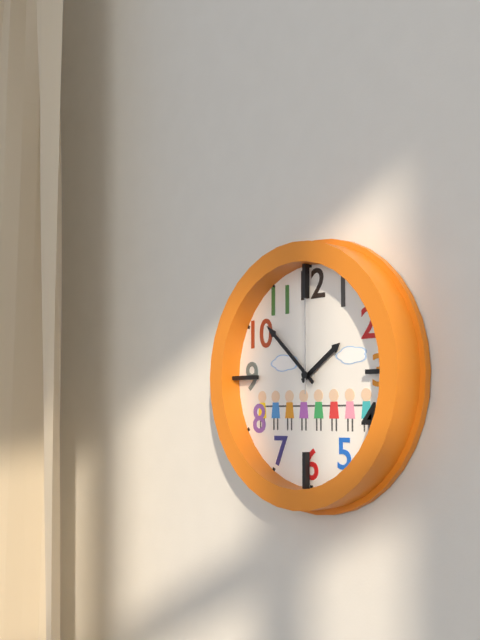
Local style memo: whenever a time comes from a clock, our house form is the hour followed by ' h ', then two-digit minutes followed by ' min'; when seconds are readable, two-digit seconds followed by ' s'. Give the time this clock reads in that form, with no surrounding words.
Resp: 1 h 52 min 00 s
